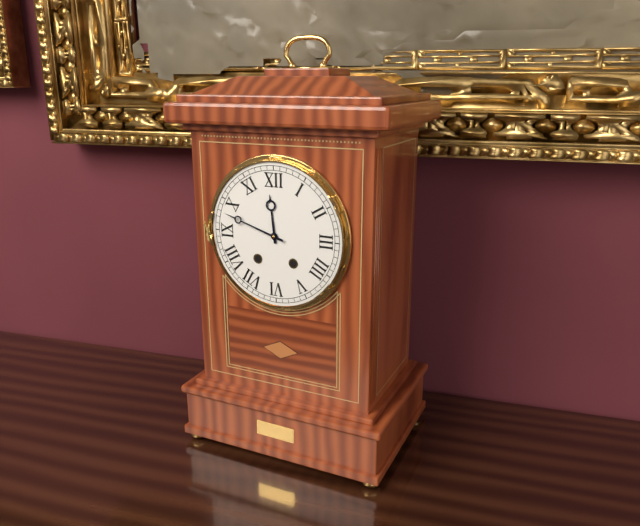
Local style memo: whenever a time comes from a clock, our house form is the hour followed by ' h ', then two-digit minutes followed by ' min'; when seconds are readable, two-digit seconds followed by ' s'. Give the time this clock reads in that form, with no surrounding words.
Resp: 11 h 48 min
